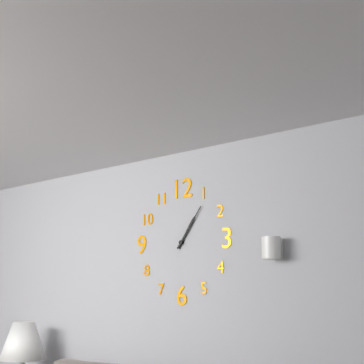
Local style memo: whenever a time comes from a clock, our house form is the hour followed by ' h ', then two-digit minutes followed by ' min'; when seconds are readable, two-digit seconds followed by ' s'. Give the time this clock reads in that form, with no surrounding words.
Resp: 1 h 06 min
